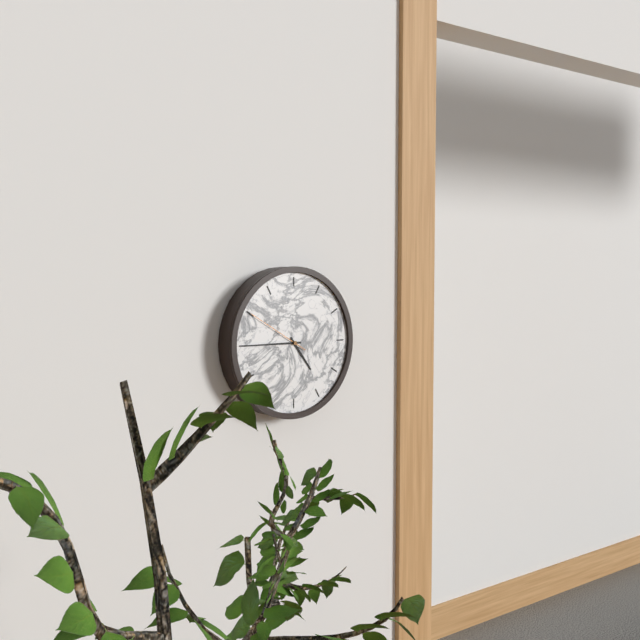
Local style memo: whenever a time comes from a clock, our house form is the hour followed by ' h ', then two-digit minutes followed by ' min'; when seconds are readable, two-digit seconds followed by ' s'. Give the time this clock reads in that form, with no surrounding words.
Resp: 4 h 45 min 50 s
